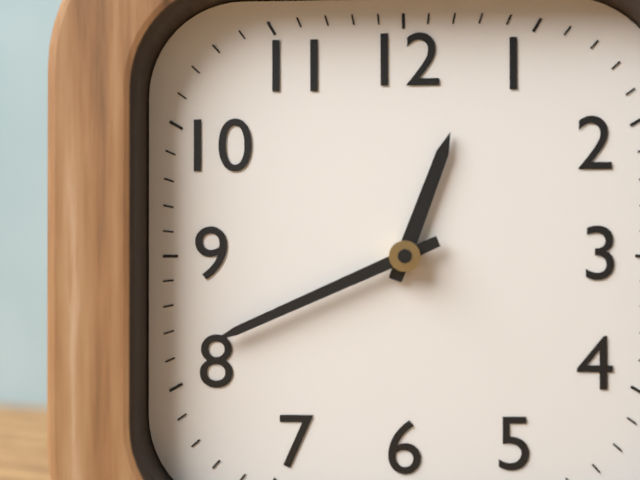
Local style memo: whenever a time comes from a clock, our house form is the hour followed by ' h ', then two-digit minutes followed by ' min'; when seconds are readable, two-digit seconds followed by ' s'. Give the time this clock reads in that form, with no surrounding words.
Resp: 12 h 41 min
